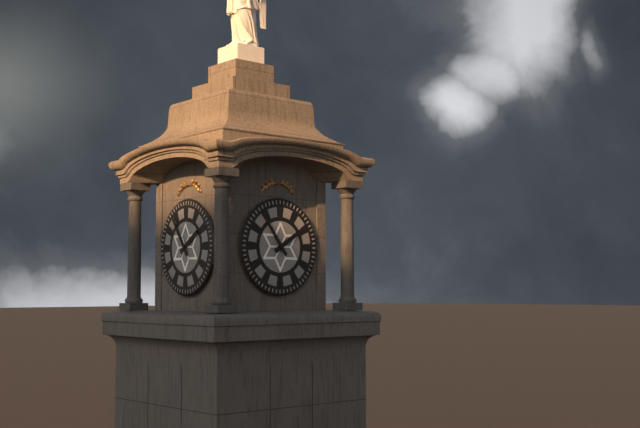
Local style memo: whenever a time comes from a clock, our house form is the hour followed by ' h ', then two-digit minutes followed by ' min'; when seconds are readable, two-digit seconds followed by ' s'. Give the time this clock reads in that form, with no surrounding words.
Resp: 1 h 54 min
